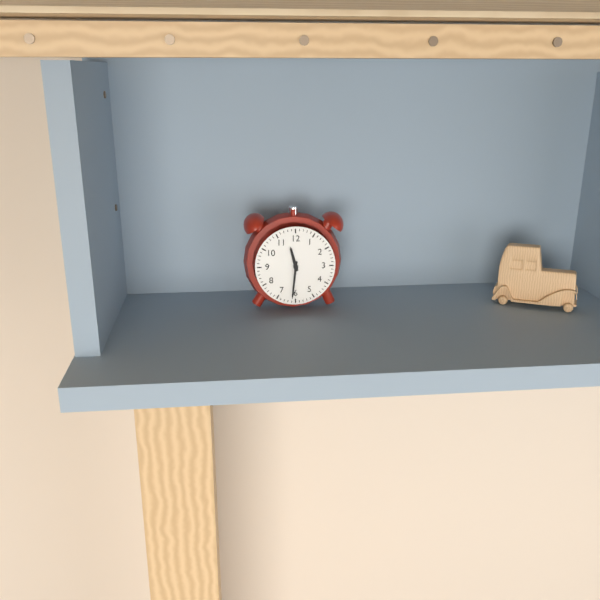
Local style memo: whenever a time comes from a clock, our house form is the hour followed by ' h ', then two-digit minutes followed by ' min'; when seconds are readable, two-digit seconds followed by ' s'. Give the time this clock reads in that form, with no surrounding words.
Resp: 11 h 31 min
